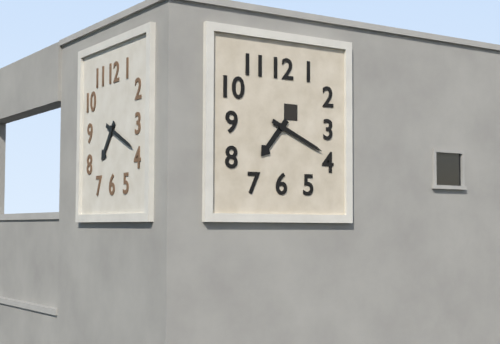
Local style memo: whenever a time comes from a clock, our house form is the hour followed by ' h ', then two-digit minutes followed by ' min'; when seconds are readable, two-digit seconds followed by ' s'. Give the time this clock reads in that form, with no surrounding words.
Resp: 7 h 19 min
